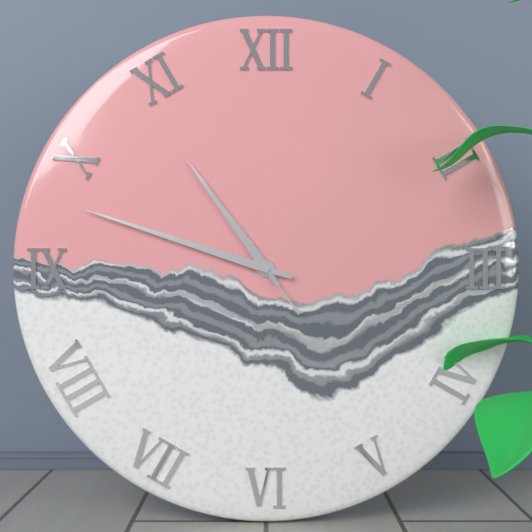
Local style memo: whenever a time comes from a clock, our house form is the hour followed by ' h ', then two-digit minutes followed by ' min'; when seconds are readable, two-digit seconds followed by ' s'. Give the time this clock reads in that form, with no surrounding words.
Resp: 10 h 48 min 54 s
